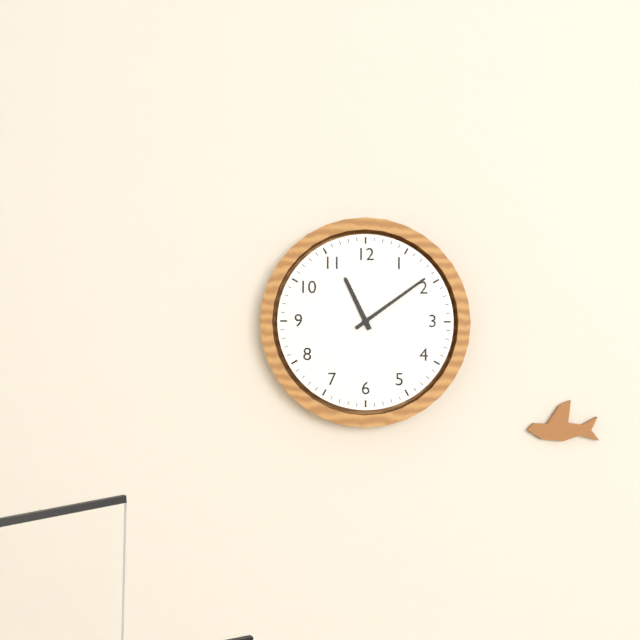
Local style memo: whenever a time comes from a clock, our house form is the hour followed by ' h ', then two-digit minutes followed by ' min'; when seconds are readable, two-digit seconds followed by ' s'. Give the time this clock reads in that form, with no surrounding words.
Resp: 11 h 09 min
